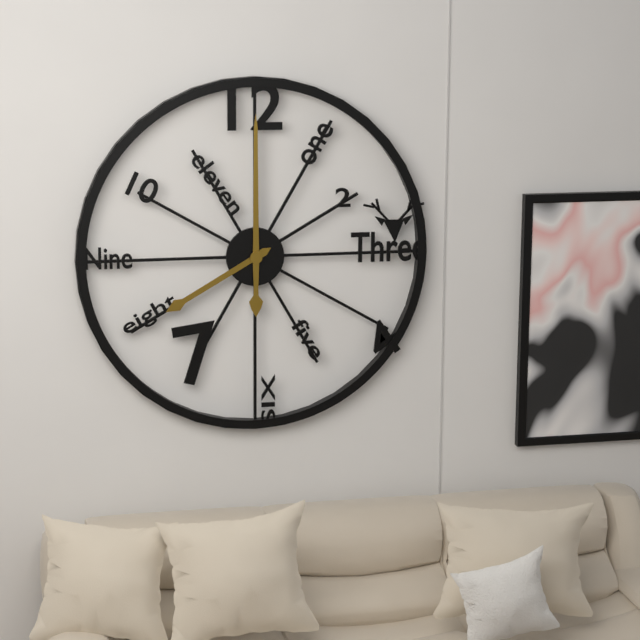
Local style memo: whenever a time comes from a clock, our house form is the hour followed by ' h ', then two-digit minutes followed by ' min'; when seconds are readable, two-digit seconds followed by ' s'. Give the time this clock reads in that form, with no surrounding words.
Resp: 8 h 00 min
